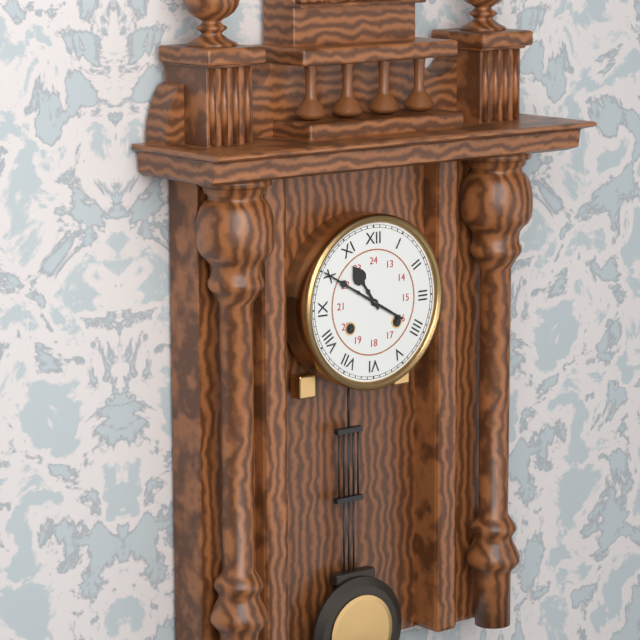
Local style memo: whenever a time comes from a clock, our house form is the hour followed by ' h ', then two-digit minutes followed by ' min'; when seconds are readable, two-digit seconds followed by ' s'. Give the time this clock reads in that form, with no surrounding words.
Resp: 10 h 50 min
